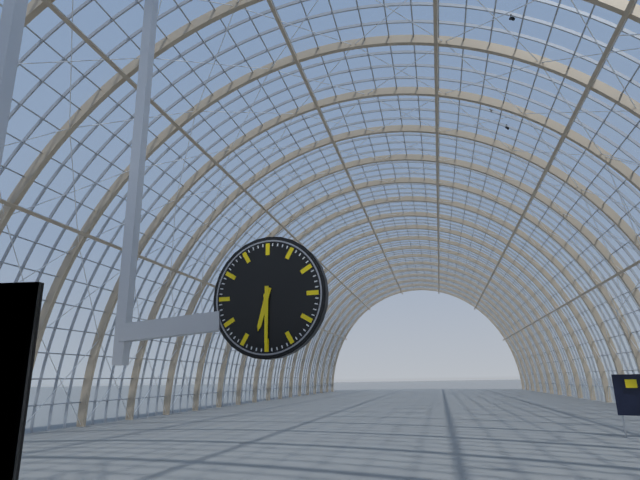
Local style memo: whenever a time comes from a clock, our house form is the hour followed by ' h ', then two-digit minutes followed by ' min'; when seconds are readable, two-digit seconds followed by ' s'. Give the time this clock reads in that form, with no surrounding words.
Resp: 6 h 30 min
